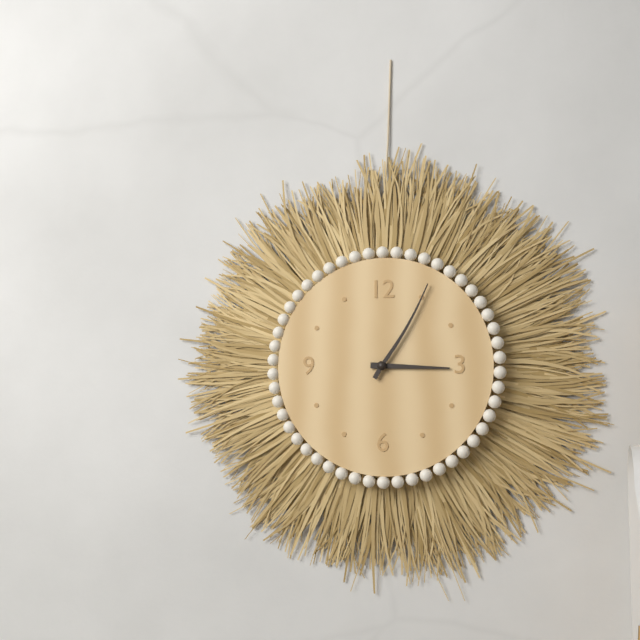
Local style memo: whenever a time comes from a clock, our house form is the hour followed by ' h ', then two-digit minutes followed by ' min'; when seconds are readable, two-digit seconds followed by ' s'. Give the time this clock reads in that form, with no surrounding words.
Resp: 3 h 05 min
